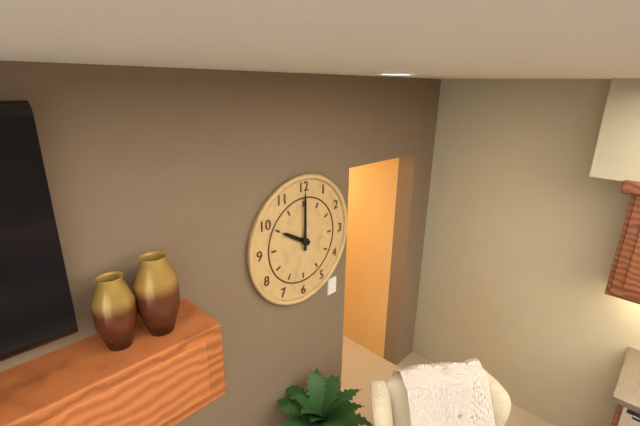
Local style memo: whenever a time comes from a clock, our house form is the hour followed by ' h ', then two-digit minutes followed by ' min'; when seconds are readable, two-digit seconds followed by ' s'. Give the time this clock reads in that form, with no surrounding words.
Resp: 10 h 00 min
